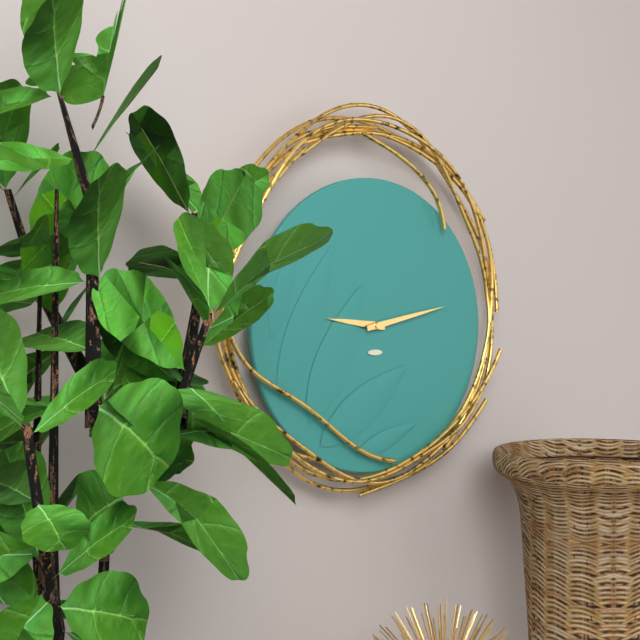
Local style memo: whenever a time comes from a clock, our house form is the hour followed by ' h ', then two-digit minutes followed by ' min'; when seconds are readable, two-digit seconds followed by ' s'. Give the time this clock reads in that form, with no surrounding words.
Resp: 9 h 13 min
